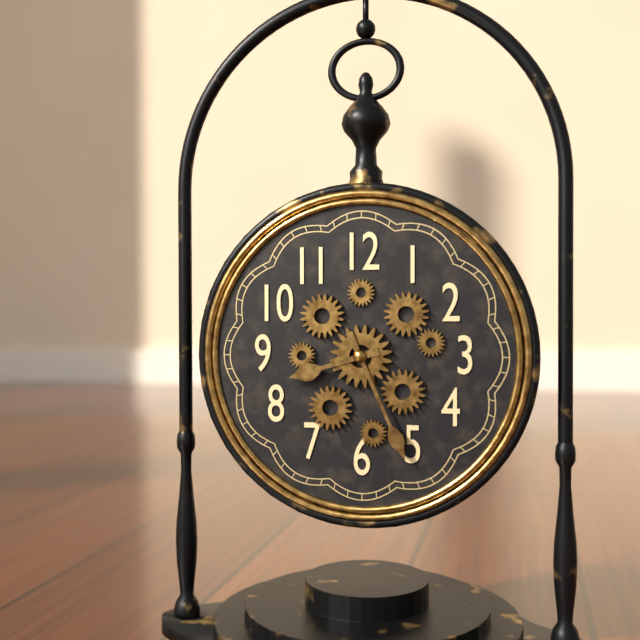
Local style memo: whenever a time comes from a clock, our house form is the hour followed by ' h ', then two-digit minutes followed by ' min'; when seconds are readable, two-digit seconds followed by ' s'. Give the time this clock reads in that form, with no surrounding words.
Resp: 8 h 26 min
